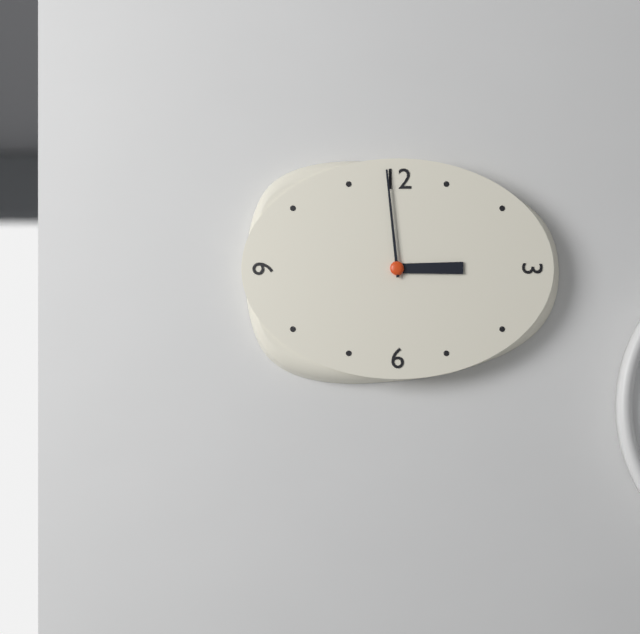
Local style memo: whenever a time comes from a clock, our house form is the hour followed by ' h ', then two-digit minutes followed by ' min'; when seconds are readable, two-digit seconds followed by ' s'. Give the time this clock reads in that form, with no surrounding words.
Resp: 2 h 59 min
